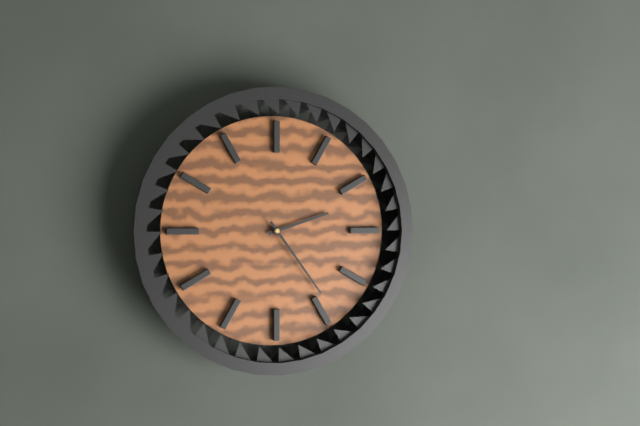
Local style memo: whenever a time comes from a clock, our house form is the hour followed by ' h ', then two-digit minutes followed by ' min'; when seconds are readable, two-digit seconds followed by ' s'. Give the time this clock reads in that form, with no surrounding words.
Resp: 2 h 24 min
